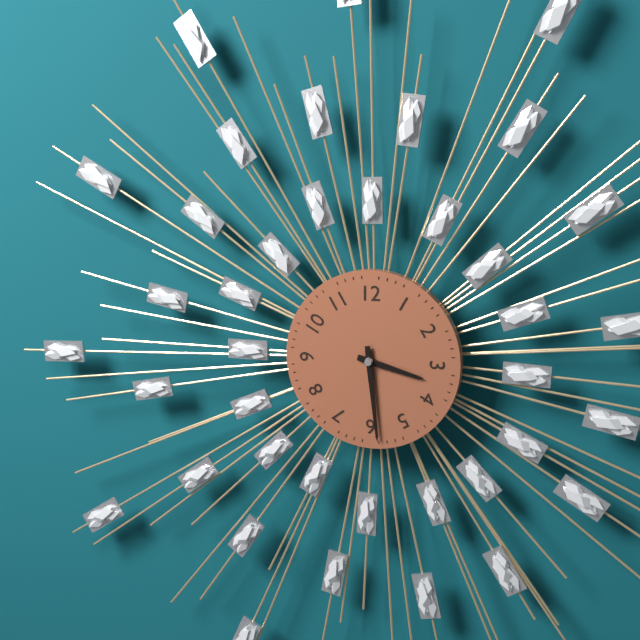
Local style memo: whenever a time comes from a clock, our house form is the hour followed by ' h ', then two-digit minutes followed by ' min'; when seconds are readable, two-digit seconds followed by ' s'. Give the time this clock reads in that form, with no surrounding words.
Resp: 3 h 29 min
